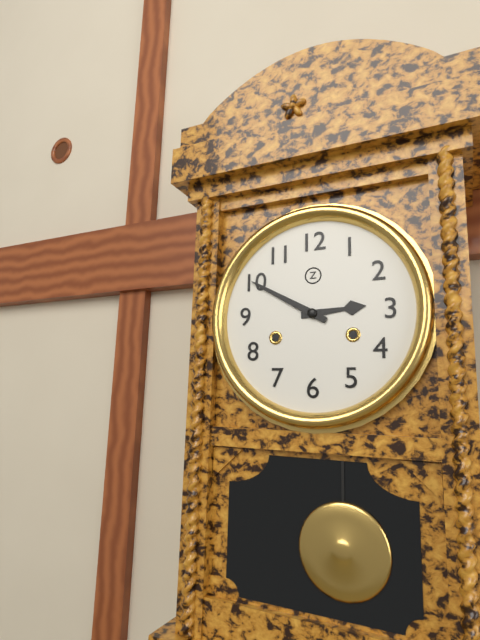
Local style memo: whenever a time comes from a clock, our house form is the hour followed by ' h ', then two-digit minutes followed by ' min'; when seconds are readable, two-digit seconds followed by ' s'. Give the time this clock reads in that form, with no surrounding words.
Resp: 2 h 50 min
